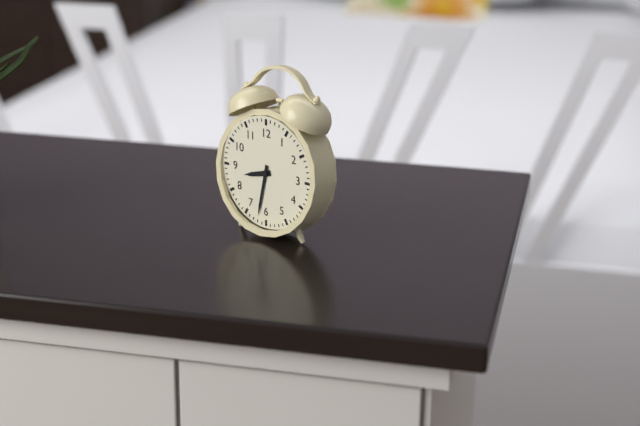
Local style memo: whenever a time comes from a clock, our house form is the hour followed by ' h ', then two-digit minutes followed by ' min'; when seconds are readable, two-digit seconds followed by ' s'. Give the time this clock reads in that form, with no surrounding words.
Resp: 8 h 32 min
